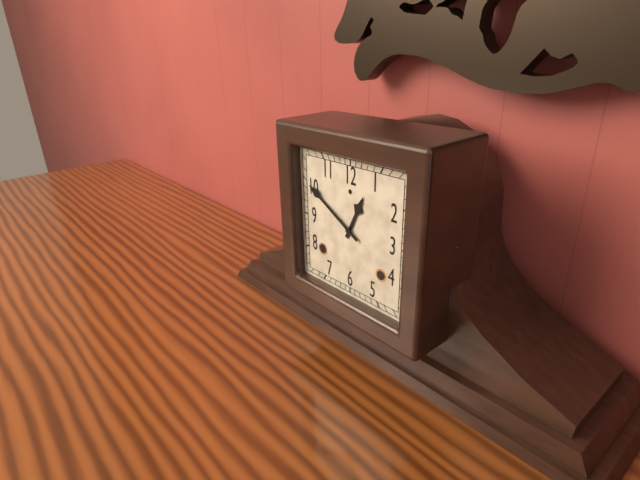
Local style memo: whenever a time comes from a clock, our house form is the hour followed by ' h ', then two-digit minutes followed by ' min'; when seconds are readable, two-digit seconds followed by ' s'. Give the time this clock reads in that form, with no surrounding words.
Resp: 12 h 50 min
